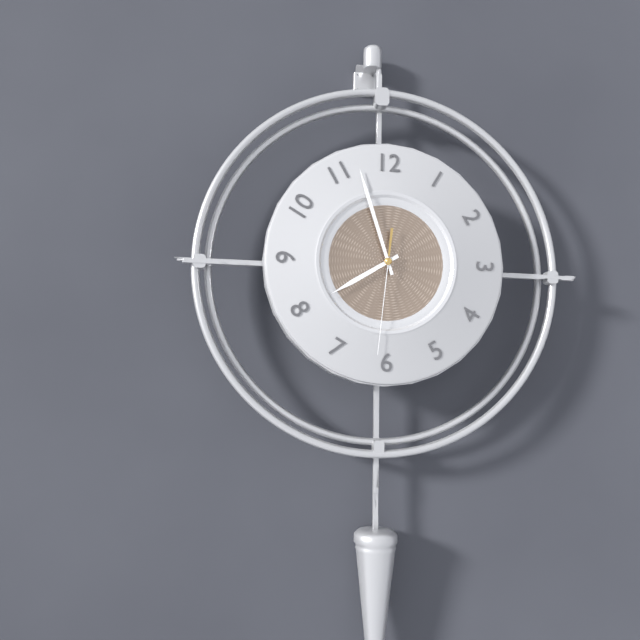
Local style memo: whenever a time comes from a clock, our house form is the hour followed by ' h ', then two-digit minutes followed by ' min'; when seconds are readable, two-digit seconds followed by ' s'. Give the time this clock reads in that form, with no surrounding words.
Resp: 7 h 57 min 31 s
